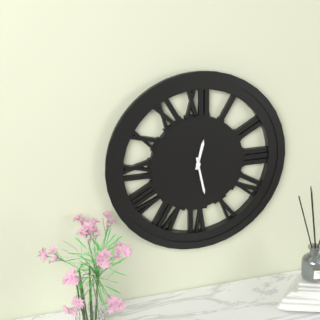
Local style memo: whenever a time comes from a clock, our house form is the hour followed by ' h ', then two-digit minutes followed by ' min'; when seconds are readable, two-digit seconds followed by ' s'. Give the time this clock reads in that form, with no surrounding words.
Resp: 12 h 28 min
